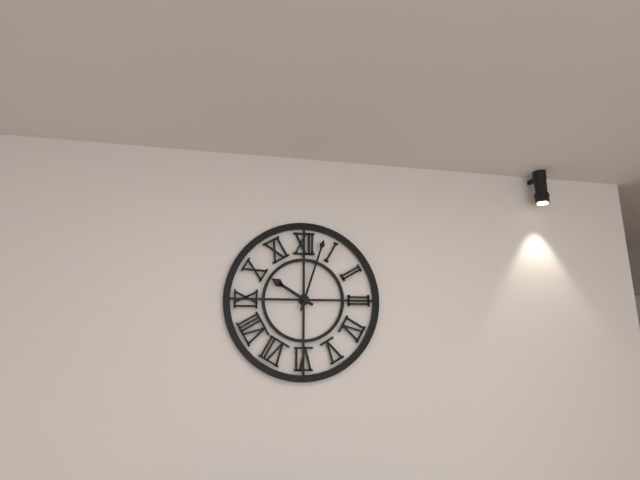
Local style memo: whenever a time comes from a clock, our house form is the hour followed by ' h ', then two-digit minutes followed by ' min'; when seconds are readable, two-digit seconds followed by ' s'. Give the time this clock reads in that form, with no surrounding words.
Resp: 10 h 03 min
